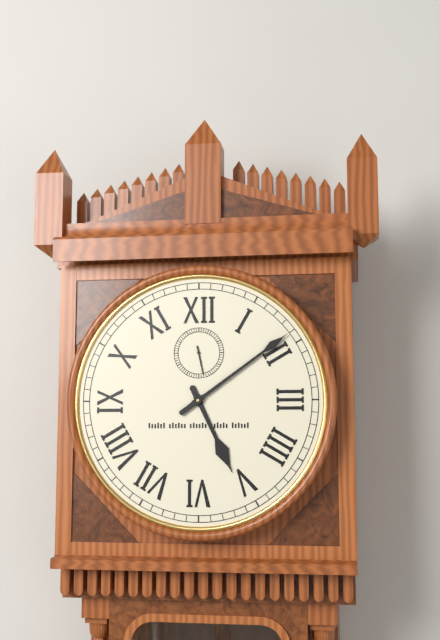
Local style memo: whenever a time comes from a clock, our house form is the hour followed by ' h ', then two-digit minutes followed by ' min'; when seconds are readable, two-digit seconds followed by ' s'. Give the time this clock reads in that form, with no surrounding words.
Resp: 5 h 09 min
